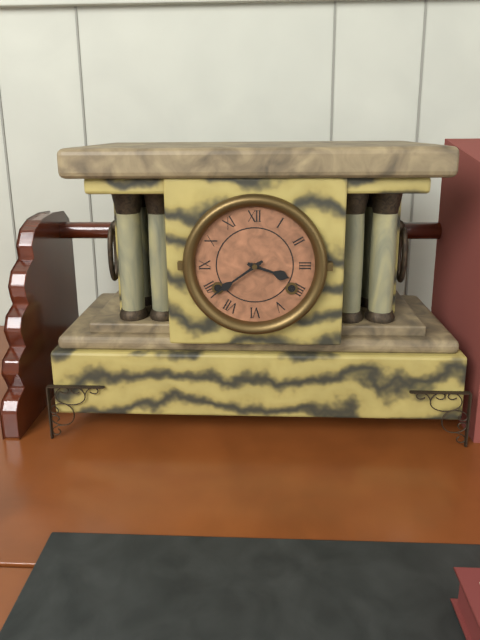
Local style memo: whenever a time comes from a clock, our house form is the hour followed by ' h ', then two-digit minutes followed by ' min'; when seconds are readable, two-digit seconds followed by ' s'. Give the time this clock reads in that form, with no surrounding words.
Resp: 3 h 39 min
